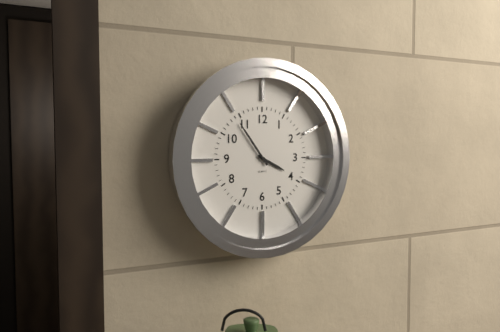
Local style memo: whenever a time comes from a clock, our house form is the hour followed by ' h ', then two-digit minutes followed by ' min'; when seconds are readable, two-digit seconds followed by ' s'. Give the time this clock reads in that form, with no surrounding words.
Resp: 3 h 54 min
